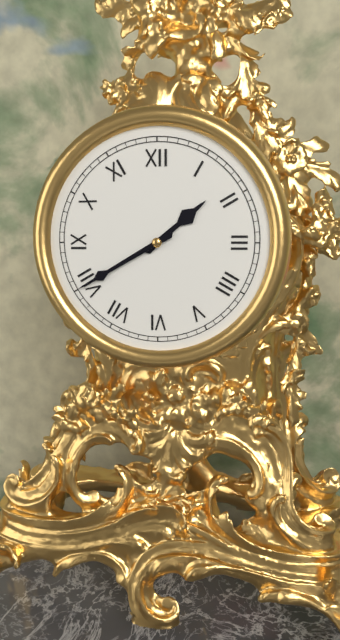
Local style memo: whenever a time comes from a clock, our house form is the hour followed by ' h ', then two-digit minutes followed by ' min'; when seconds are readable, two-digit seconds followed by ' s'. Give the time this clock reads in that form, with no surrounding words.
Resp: 1 h 40 min
